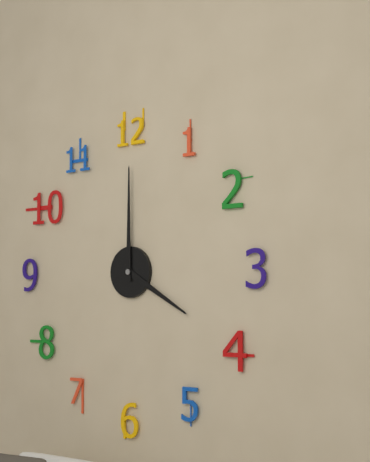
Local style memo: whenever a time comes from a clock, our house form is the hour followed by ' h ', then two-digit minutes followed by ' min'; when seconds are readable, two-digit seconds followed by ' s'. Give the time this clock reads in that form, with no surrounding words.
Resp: 4 h 00 min
